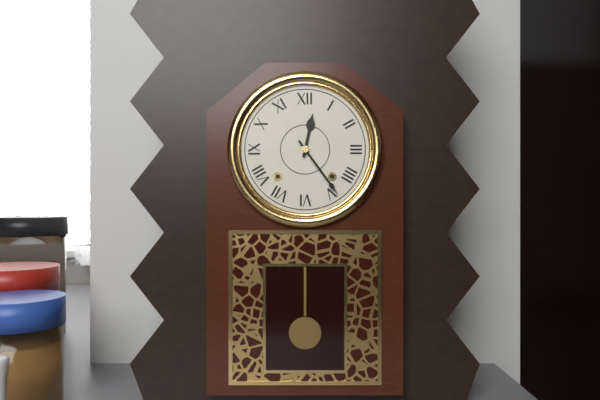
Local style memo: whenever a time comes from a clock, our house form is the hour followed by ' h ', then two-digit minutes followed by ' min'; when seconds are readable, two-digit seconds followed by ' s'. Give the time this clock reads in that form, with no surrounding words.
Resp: 12 h 24 min
